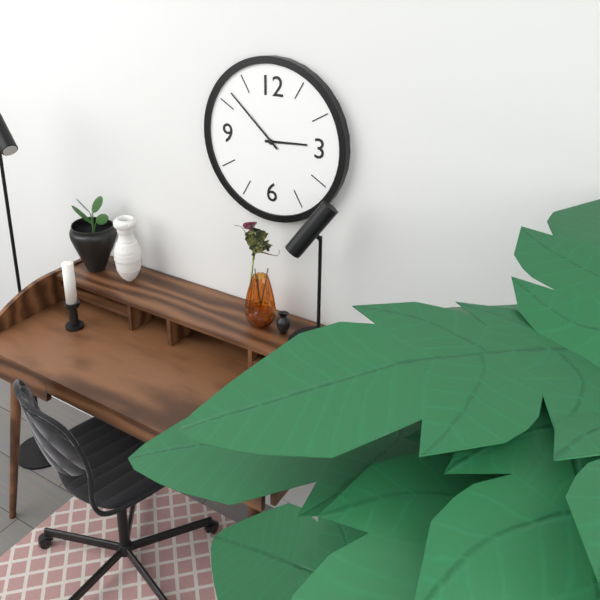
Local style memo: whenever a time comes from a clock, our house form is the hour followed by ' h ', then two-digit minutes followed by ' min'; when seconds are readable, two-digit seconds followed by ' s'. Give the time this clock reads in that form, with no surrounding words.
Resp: 2 h 52 min
